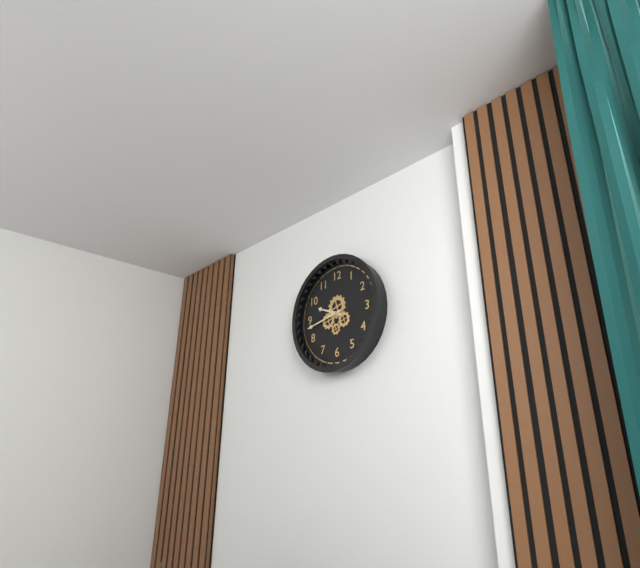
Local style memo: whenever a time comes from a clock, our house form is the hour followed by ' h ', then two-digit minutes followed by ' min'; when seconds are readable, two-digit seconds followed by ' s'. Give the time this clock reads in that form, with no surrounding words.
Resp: 9 h 43 min
